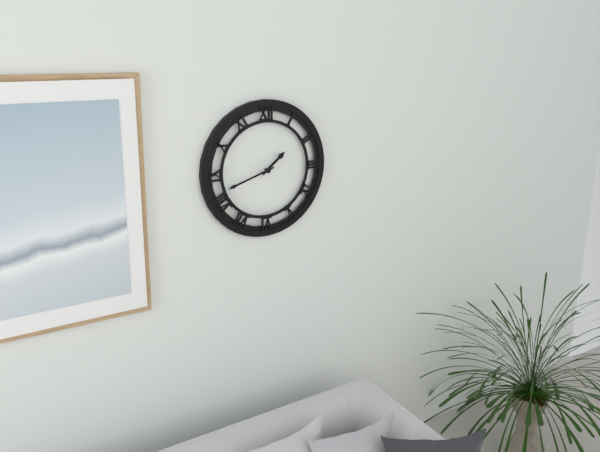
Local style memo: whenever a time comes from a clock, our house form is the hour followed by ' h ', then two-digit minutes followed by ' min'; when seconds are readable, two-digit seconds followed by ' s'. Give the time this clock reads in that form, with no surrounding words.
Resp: 1 h 42 min
